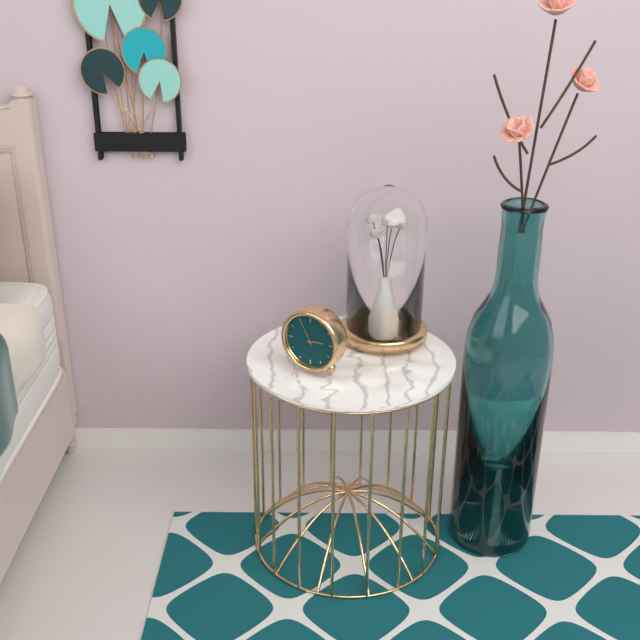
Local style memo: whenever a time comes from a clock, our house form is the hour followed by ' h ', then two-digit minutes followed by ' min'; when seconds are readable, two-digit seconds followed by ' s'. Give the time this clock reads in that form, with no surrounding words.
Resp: 2 h 55 min
